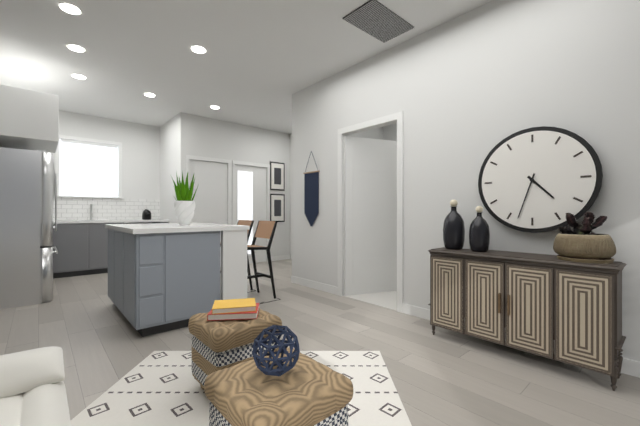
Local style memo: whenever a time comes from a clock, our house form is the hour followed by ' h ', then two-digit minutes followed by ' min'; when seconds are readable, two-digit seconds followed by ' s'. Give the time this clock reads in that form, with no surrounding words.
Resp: 4 h 33 min
